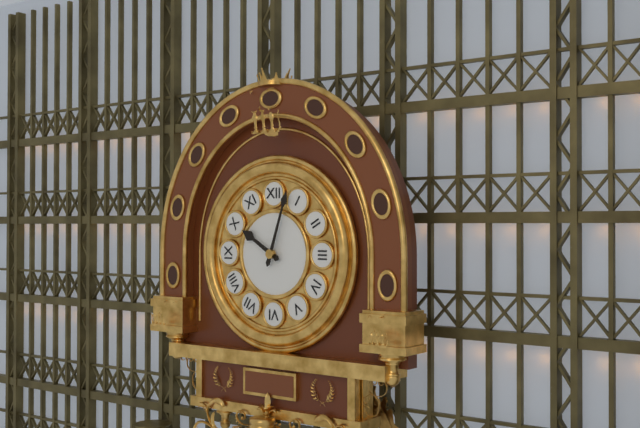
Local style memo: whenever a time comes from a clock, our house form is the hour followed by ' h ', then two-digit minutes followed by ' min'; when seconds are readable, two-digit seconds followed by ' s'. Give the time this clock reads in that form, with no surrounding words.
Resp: 10 h 03 min
